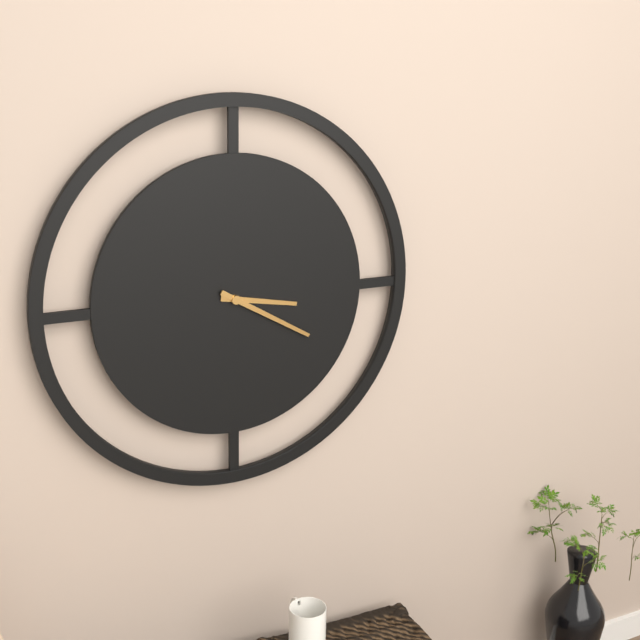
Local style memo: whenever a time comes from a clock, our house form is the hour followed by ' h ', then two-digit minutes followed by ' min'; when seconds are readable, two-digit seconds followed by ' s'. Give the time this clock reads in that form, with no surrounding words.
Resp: 3 h 20 min
